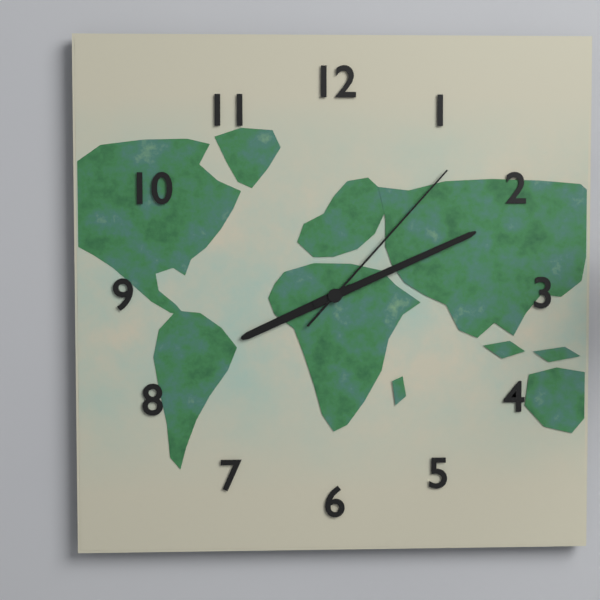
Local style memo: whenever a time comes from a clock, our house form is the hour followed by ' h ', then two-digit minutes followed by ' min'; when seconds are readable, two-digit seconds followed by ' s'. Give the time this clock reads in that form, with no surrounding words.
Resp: 8 h 11 min 07 s
